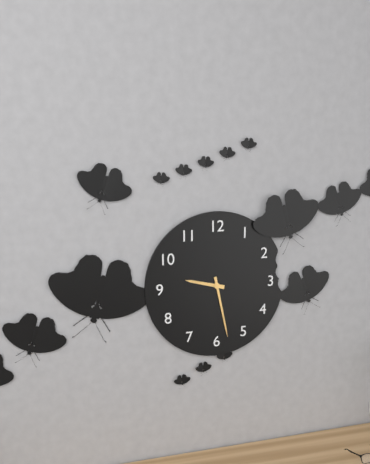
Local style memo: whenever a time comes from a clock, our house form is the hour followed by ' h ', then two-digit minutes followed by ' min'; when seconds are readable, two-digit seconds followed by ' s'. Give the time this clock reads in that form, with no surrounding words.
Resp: 9 h 28 min
